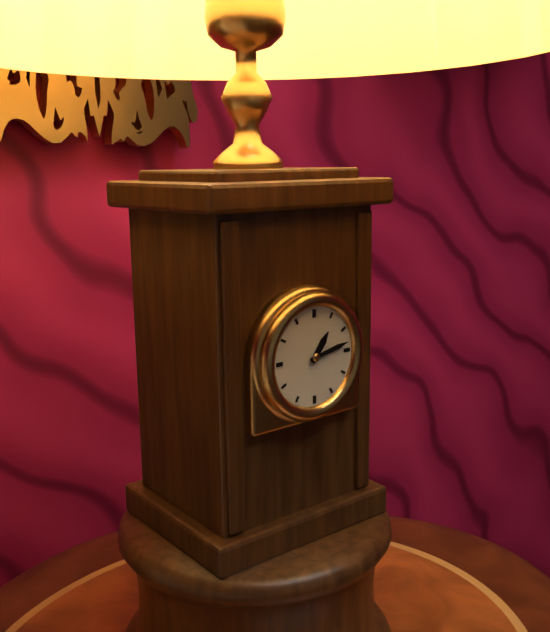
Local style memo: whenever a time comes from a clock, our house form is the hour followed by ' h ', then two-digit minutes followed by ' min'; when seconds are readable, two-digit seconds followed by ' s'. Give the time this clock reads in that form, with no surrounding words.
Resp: 1 h 13 min
